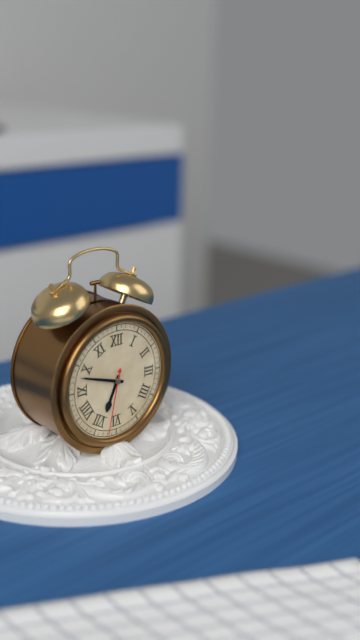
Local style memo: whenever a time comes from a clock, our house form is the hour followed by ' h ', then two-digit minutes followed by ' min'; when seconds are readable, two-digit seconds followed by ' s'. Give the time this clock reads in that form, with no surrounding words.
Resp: 6 h 48 min 32 s
